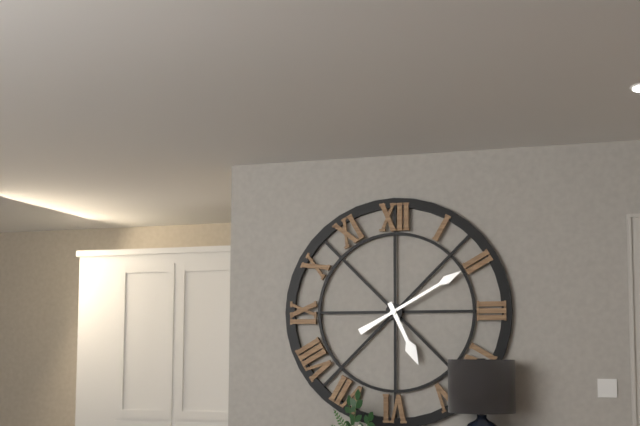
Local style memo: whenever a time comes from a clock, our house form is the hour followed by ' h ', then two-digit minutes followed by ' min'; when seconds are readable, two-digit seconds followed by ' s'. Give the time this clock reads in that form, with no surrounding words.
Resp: 5 h 10 min
